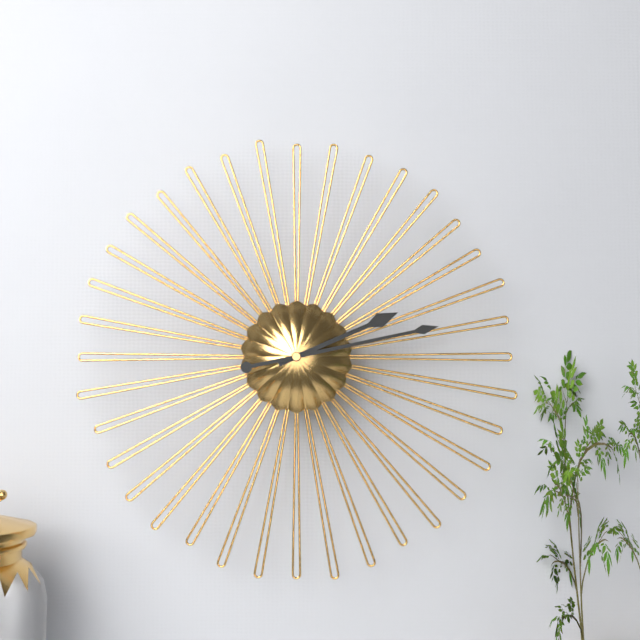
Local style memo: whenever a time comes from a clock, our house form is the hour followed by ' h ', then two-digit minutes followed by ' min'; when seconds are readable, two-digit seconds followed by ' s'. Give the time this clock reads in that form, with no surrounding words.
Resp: 2 h 13 min
